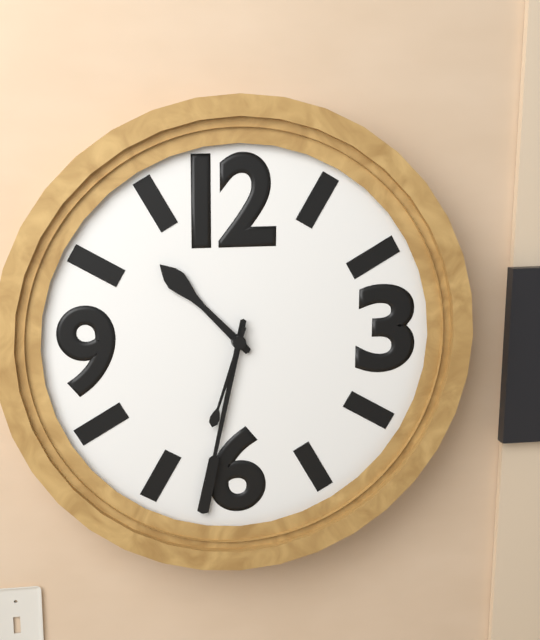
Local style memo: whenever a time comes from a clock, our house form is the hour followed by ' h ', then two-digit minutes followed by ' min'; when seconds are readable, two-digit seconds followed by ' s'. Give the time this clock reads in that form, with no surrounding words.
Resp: 10 h 32 min 33 s
